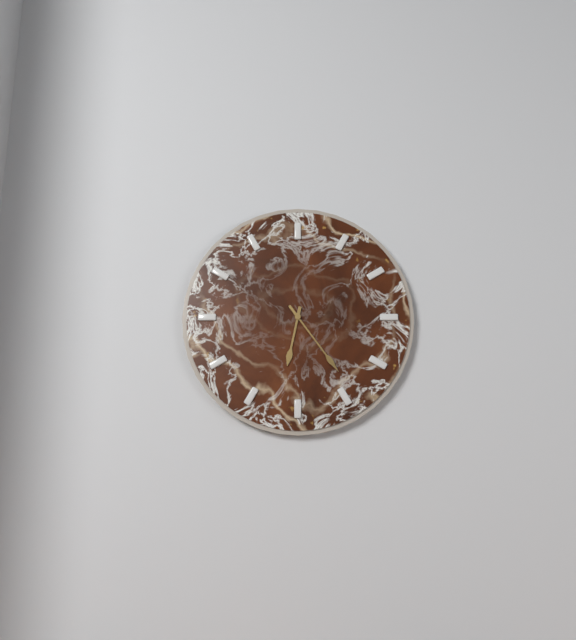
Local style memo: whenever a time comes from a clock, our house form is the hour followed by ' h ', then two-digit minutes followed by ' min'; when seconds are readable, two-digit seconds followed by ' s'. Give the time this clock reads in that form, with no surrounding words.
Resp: 6 h 24 min
